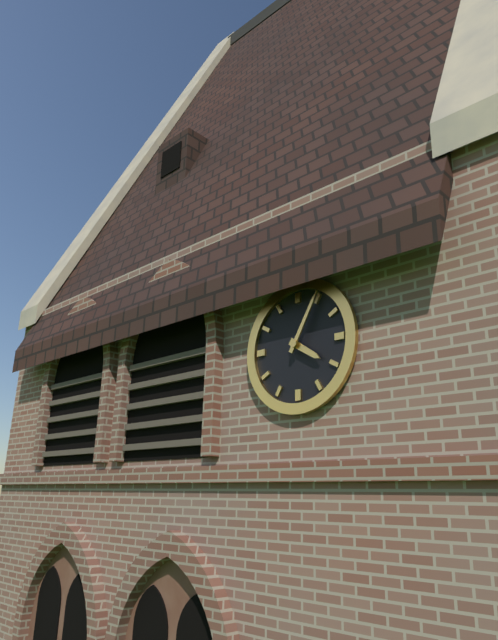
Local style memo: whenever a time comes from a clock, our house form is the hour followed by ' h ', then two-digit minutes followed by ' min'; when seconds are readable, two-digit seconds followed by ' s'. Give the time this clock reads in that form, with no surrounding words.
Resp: 4 h 05 min
